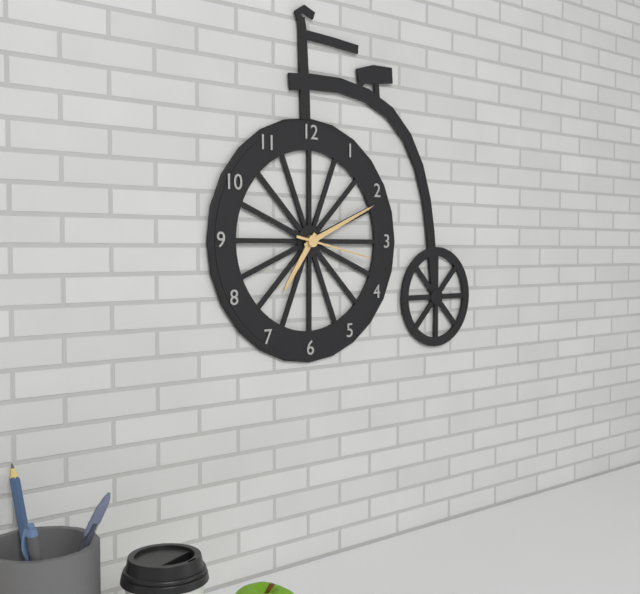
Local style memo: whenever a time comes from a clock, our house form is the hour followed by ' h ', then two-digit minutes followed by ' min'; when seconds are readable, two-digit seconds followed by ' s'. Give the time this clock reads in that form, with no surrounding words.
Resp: 7 h 11 min 17 s
